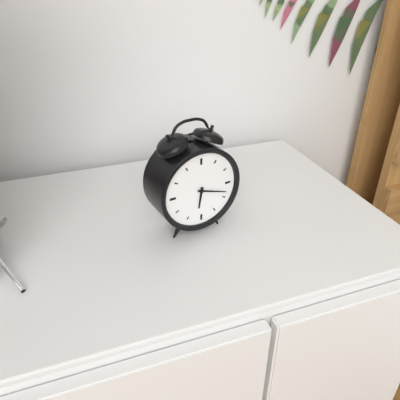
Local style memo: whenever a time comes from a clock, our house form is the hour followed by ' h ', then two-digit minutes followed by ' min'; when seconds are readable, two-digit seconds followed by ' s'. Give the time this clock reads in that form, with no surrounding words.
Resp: 6 h 18 min
